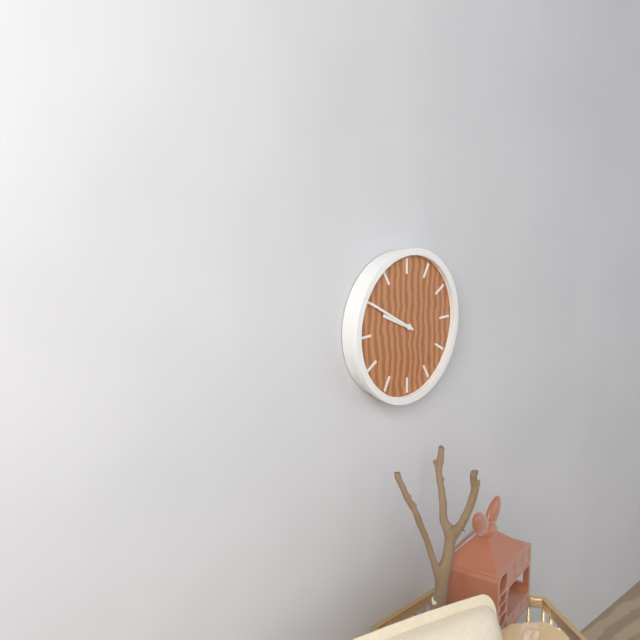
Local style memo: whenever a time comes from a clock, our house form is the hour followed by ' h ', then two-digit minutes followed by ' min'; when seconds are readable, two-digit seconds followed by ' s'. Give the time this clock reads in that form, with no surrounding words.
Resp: 9 h 50 min
